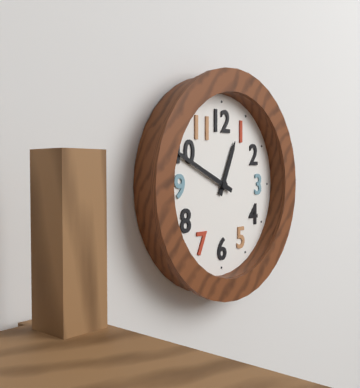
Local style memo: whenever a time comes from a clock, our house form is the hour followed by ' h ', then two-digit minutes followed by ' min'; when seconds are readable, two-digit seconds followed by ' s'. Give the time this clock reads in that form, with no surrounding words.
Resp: 12 h 49 min
